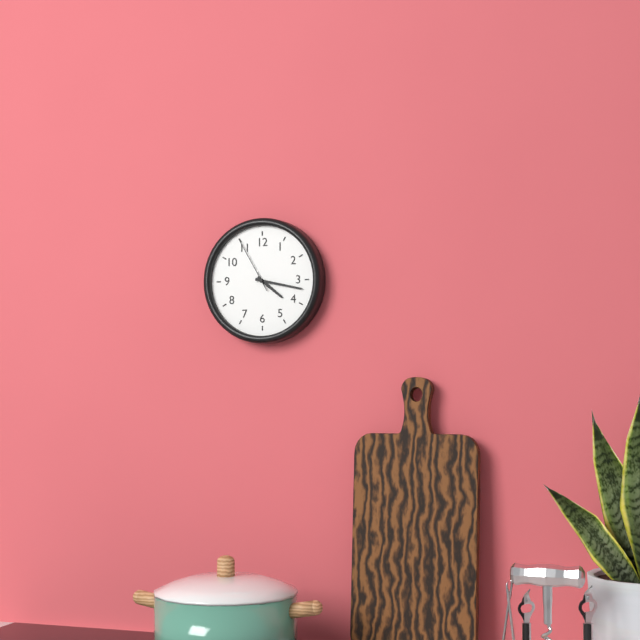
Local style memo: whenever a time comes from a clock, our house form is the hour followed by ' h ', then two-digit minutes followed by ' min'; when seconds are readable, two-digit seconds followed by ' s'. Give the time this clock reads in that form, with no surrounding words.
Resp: 4 h 17 min 55 s
